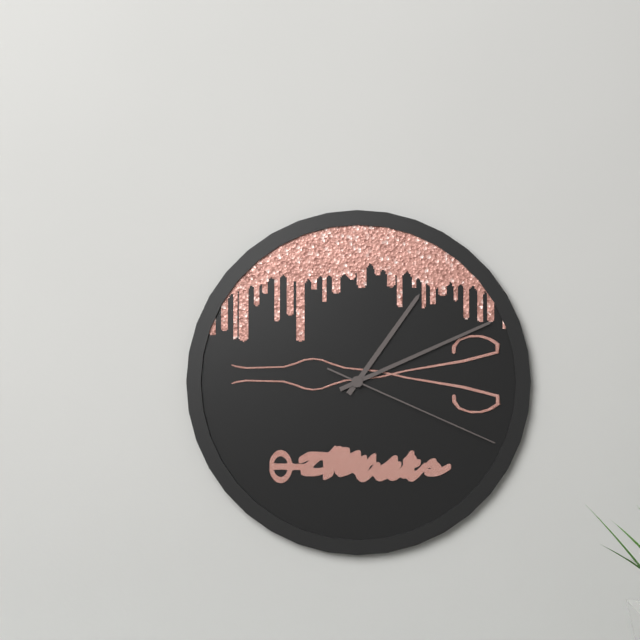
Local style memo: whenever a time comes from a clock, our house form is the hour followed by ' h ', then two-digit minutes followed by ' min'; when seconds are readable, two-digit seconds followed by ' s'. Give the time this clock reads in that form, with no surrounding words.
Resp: 1 h 11 min 19 s
